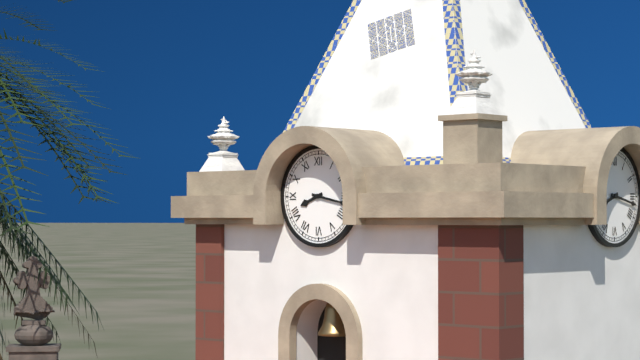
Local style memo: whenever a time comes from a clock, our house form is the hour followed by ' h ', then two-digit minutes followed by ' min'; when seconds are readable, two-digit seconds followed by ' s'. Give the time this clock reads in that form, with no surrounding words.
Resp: 8 h 17 min
